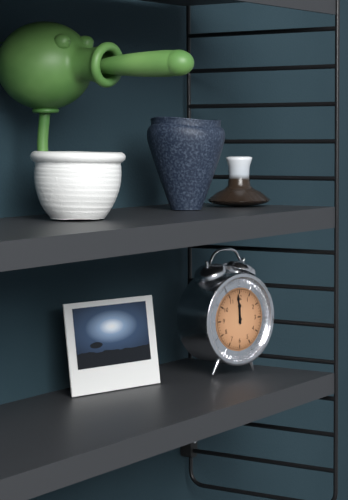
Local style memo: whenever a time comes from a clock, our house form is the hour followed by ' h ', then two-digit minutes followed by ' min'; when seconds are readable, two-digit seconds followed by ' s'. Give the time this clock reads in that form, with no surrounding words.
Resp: 11 h 59 min
